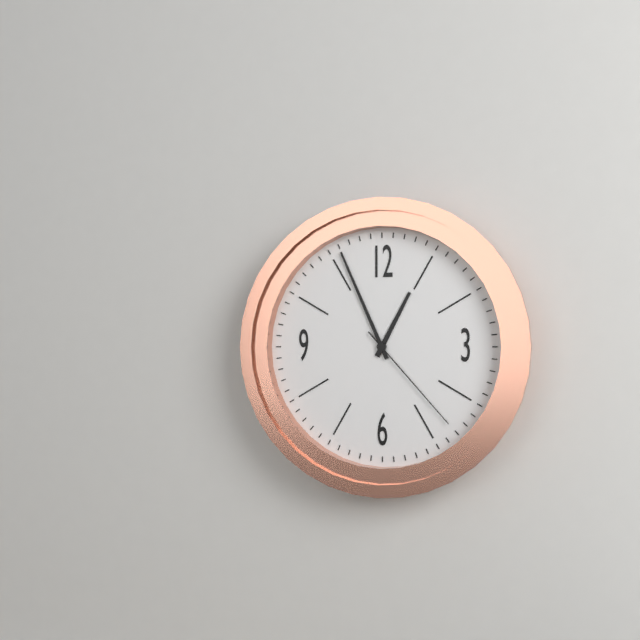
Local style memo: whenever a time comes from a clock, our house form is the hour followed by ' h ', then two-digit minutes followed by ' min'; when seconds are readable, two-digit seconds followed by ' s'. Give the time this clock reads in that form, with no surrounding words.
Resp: 12 h 56 min 23 s
